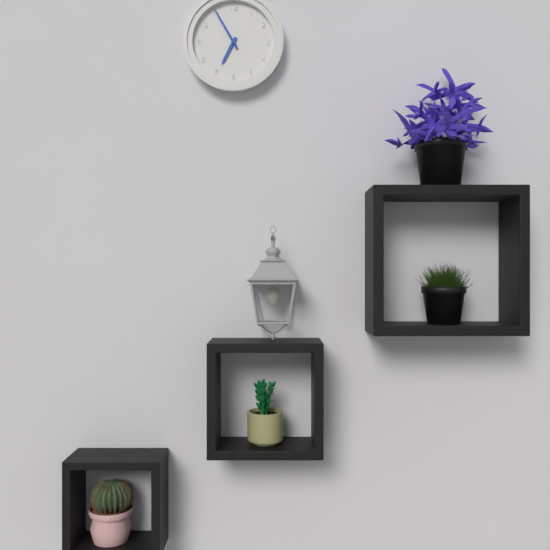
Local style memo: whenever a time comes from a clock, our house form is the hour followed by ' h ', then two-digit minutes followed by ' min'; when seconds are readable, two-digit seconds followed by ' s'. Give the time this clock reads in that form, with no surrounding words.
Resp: 6 h 55 min
